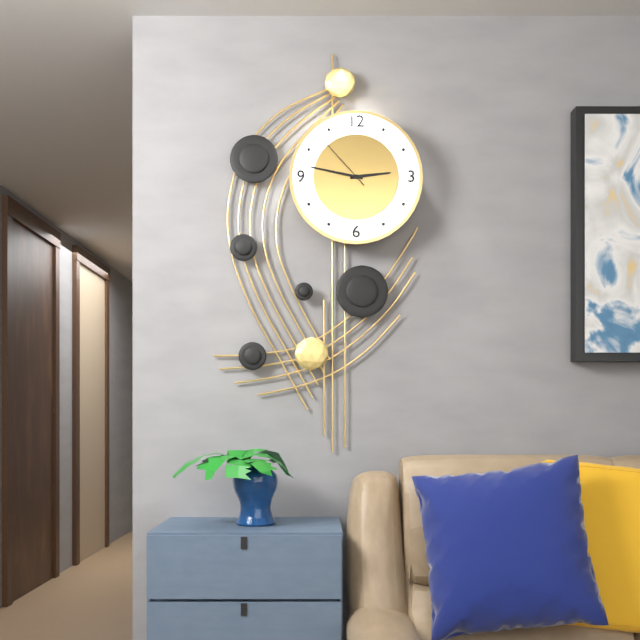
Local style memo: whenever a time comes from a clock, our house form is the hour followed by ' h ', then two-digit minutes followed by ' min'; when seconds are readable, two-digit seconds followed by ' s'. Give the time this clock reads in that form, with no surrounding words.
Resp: 2 h 47 min 53 s
